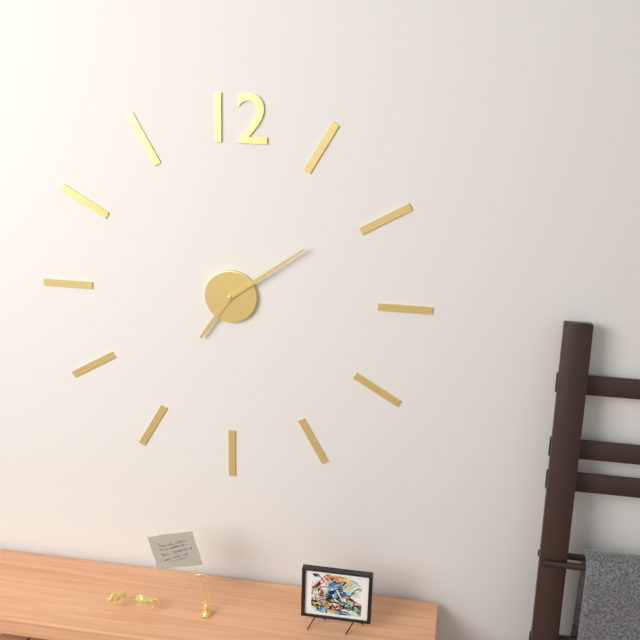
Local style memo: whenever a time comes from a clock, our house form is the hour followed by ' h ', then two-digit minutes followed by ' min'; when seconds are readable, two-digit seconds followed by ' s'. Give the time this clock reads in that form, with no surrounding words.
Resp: 7 h 09 min
